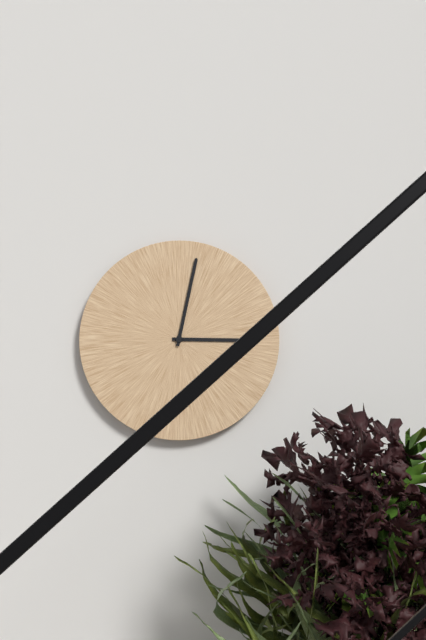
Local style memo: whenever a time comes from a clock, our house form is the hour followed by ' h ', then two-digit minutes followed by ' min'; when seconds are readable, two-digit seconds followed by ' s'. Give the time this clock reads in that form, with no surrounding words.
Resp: 3 h 02 min
